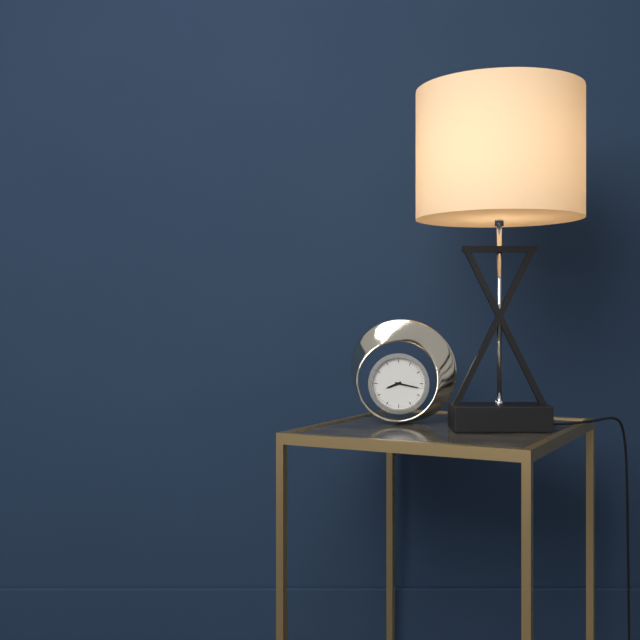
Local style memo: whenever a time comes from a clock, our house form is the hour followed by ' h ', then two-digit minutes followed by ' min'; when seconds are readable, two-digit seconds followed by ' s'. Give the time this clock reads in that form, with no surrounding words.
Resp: 8 h 17 min
